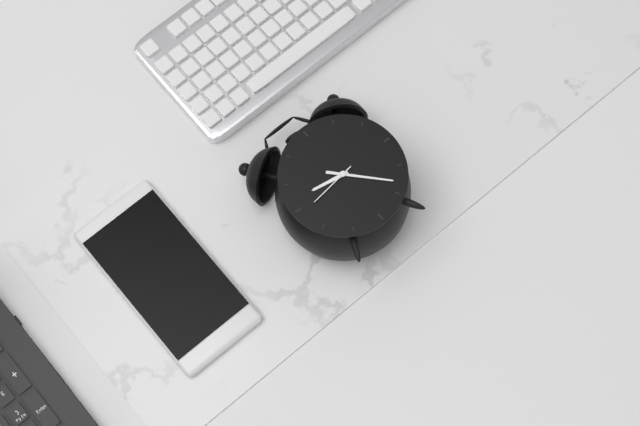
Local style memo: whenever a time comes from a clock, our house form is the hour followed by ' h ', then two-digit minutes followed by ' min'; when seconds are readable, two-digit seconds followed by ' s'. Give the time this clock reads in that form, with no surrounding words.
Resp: 9 h 23 min 44 s
